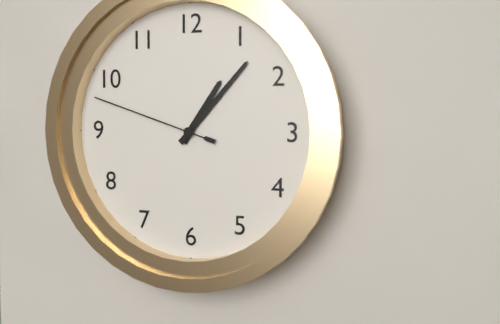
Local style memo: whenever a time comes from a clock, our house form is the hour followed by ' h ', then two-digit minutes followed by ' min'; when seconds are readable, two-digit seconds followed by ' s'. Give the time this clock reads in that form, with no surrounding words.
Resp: 1 h 07 min 48 s
